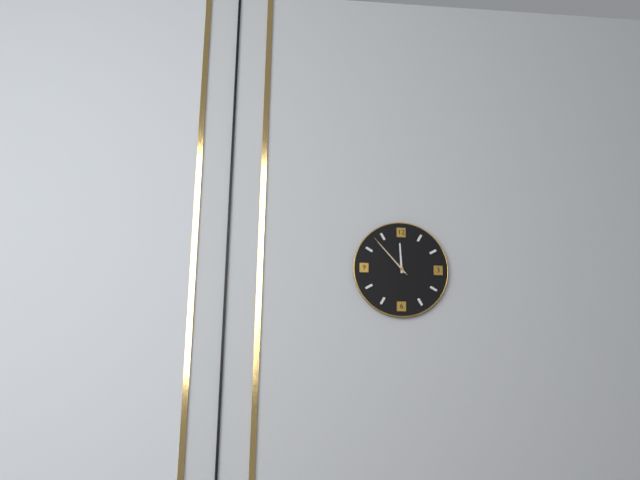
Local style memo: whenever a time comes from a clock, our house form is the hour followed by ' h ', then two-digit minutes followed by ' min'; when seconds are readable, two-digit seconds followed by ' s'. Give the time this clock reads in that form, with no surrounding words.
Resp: 11 h 53 min 53 s
